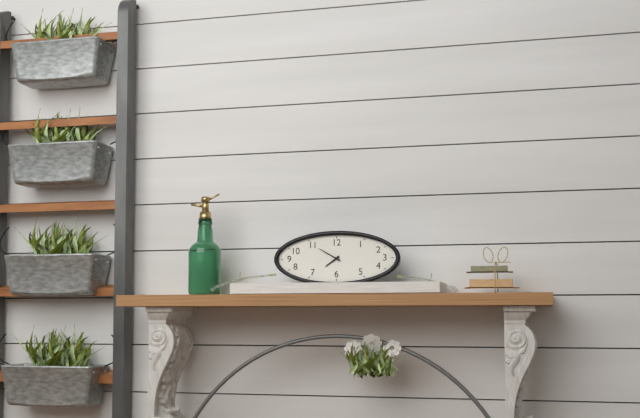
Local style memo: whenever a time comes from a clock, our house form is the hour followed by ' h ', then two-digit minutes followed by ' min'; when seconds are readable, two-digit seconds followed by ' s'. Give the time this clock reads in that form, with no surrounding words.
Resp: 7 h 50 min
